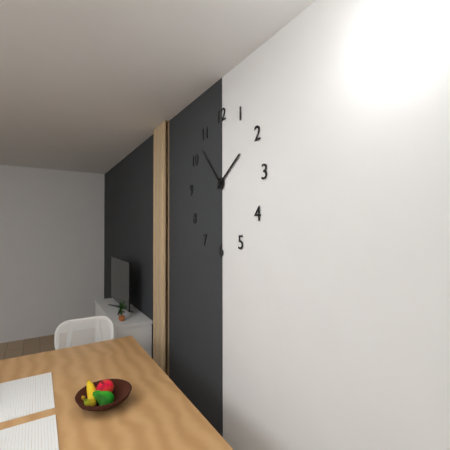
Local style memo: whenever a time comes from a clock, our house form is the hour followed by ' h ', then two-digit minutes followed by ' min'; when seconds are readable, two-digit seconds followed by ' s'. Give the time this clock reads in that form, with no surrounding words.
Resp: 1 h 53 min
